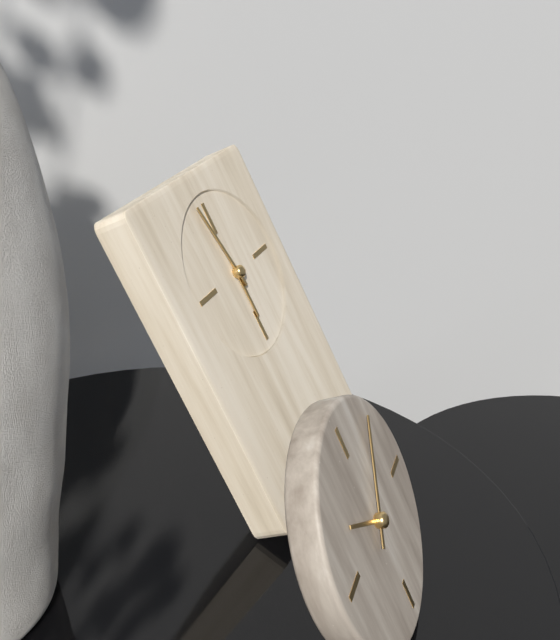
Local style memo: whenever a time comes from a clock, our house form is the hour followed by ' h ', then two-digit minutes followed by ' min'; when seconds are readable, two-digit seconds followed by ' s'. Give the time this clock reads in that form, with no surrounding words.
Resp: 5 h 58 min
